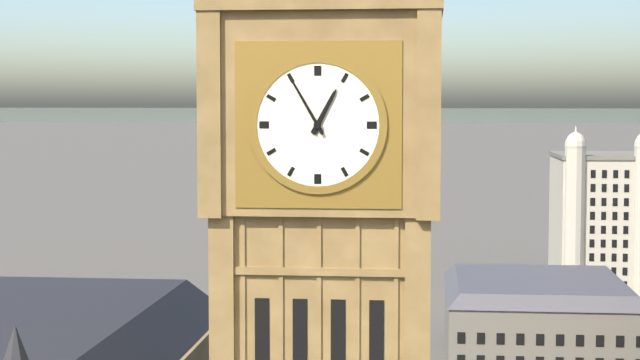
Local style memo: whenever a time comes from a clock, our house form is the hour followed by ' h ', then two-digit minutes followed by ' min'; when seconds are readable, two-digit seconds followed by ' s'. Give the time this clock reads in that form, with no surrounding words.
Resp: 12 h 55 min
